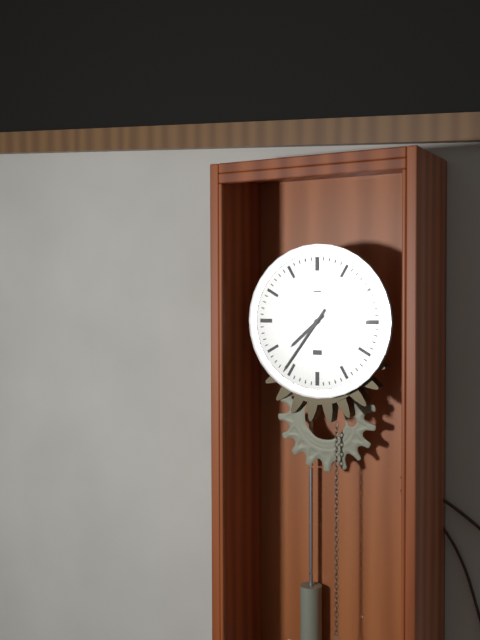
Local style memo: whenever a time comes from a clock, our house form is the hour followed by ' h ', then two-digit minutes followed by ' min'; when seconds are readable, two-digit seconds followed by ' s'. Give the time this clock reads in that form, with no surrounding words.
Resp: 7 h 36 min
